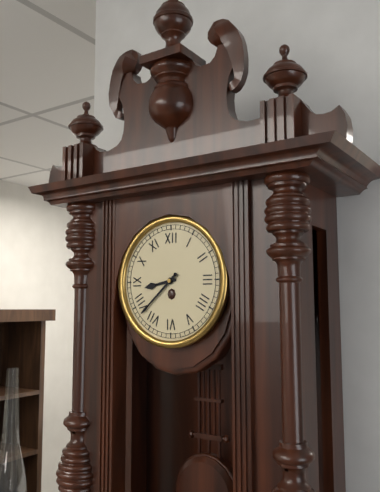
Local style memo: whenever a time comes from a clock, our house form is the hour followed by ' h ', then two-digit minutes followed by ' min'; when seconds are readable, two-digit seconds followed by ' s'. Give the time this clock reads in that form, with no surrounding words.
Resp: 8 h 38 min
